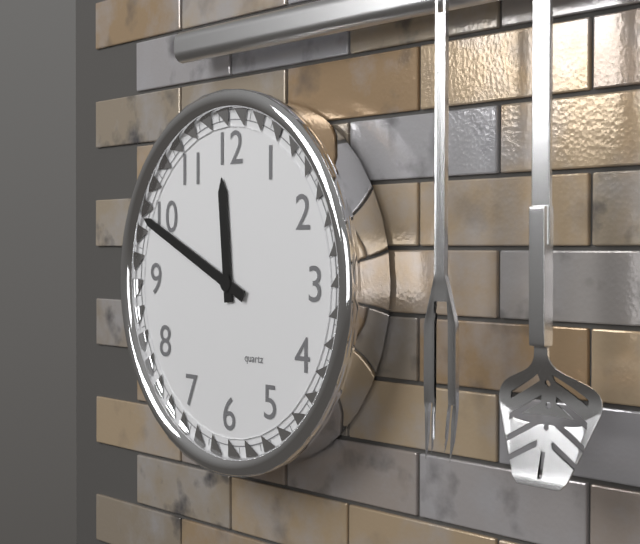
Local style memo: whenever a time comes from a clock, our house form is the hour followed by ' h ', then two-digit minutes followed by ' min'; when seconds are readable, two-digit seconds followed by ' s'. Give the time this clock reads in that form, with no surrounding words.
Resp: 11 h 49 min
